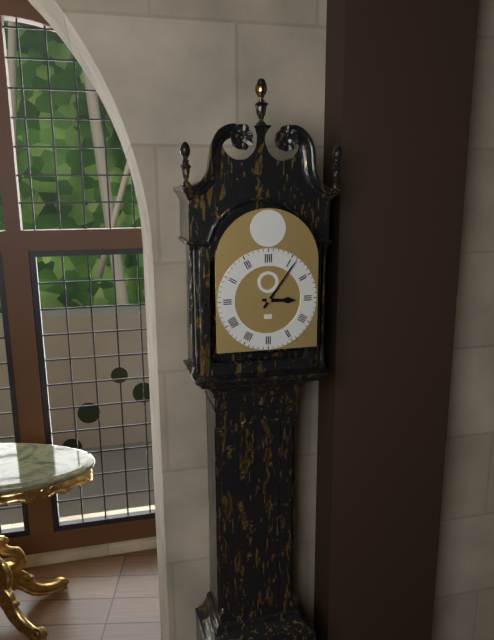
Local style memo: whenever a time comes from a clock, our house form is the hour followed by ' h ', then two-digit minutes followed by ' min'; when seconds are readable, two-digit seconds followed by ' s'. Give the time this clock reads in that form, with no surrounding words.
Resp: 3 h 06 min
